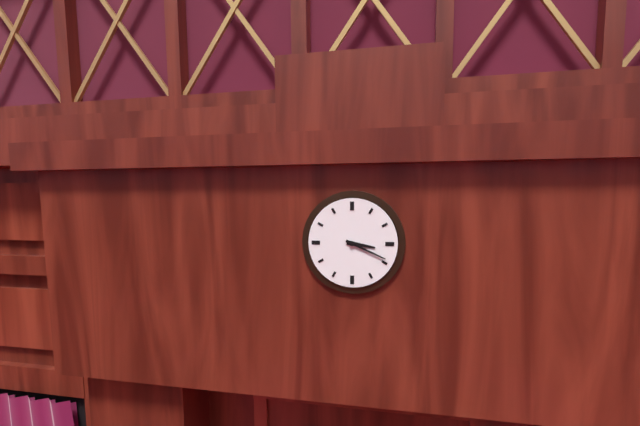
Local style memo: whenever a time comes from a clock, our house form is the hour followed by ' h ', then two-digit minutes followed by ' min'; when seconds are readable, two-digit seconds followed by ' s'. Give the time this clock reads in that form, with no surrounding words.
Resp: 3 h 19 min
